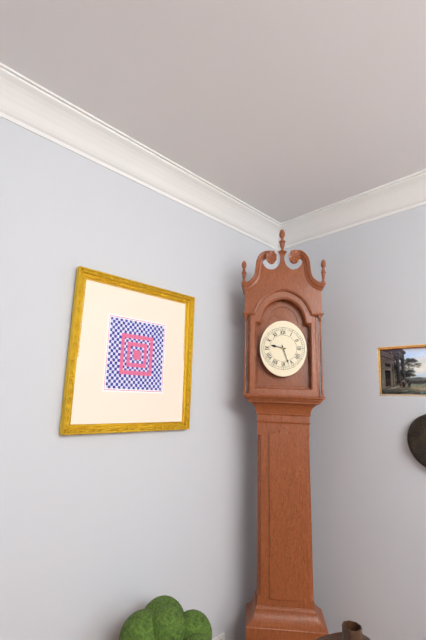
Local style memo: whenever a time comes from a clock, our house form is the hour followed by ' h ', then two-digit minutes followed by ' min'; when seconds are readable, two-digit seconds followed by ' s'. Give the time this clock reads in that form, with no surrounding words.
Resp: 9 h 27 min
